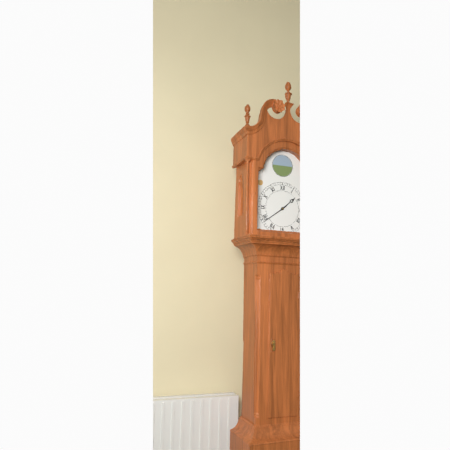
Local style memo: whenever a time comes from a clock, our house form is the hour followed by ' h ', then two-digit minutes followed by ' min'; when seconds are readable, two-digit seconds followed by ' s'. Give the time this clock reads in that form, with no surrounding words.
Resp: 1 h 39 min
